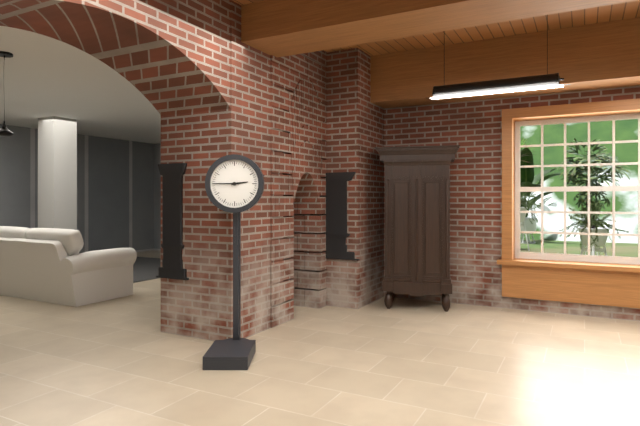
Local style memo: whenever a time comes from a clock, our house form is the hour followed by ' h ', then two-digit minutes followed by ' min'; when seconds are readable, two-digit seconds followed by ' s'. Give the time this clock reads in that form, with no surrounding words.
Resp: 2 h 45 min
